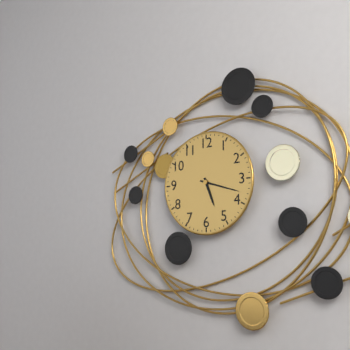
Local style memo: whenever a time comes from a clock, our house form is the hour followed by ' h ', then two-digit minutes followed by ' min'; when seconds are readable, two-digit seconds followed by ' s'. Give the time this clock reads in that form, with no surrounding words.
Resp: 5 h 18 min
